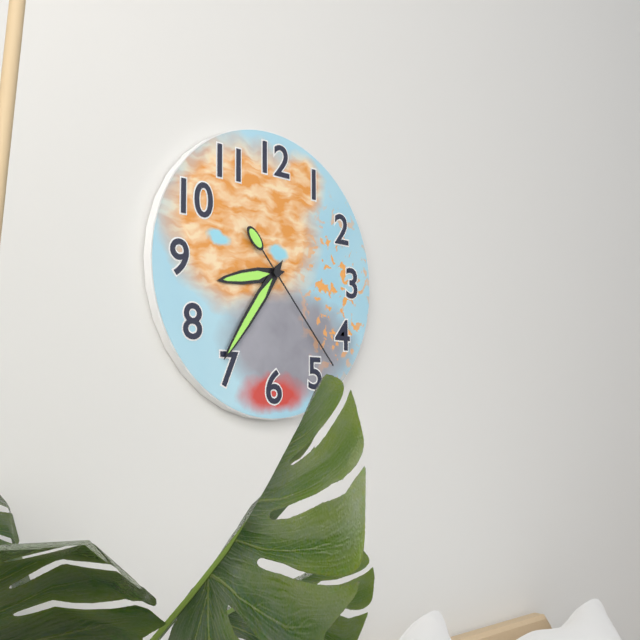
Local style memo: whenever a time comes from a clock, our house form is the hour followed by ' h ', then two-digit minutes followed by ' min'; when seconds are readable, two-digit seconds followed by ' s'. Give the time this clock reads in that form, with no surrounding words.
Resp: 8 h 36 min 23 s
